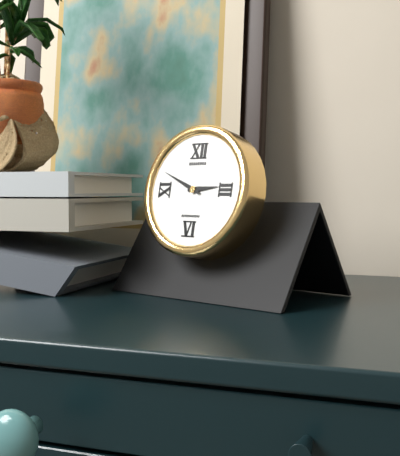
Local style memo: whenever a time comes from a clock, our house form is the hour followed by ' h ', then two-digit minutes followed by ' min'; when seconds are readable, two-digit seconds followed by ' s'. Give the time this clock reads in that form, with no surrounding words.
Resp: 2 h 49 min
